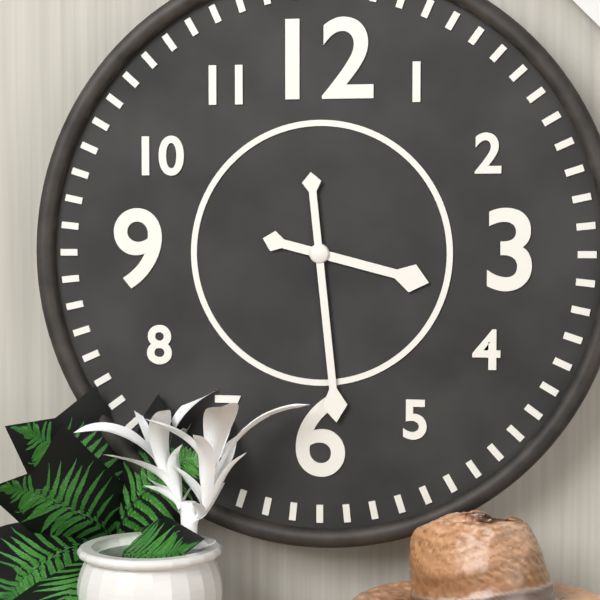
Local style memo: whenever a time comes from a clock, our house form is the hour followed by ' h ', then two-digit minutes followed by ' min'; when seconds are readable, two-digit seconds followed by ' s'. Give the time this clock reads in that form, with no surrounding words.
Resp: 3 h 29 min
